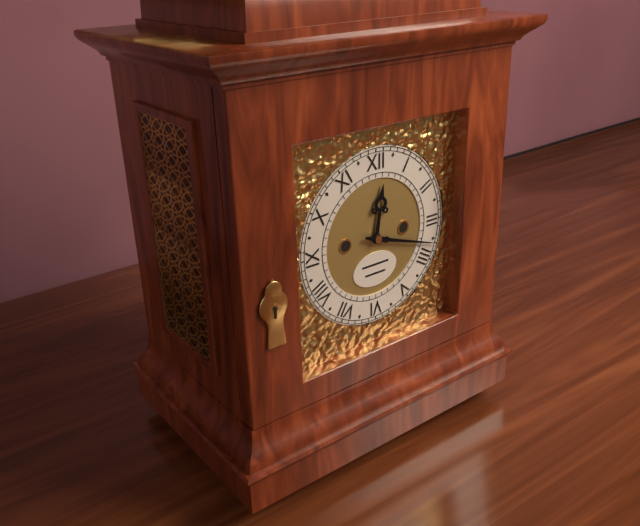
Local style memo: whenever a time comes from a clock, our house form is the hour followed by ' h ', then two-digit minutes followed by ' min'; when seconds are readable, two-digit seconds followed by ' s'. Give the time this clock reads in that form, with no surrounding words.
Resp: 12 h 18 min
